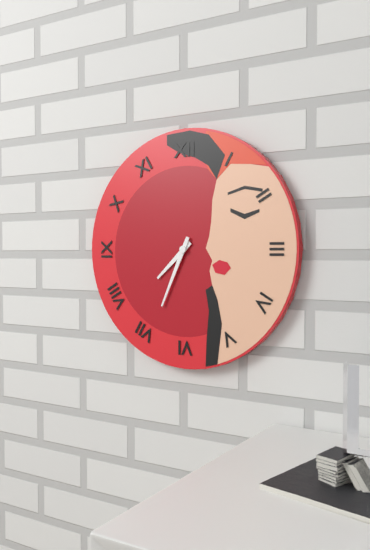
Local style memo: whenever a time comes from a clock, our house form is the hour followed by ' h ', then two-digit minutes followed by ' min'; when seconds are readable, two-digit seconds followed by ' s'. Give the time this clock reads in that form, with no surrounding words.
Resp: 7 h 34 min
